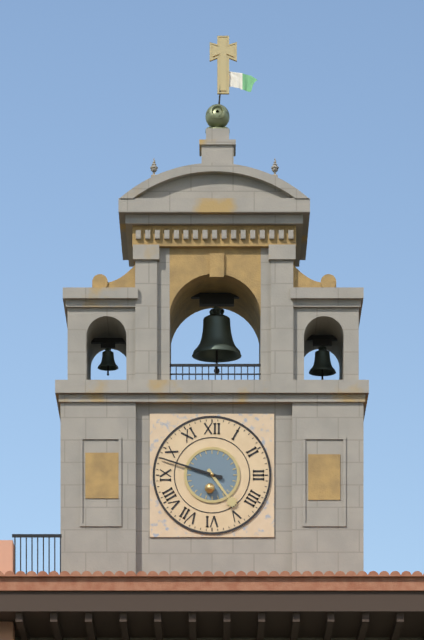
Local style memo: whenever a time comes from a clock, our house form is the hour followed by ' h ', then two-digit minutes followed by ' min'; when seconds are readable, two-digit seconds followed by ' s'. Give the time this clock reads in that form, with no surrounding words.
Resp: 4 h 48 min
